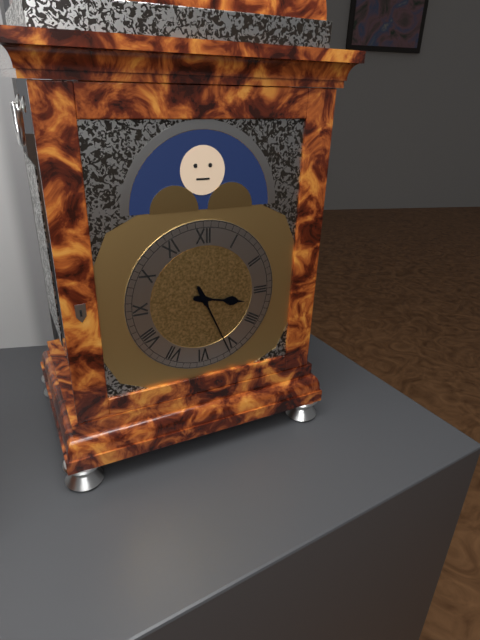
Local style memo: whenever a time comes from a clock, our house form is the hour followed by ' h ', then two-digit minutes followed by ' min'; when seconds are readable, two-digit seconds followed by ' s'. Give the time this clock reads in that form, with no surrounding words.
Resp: 3 h 26 min
